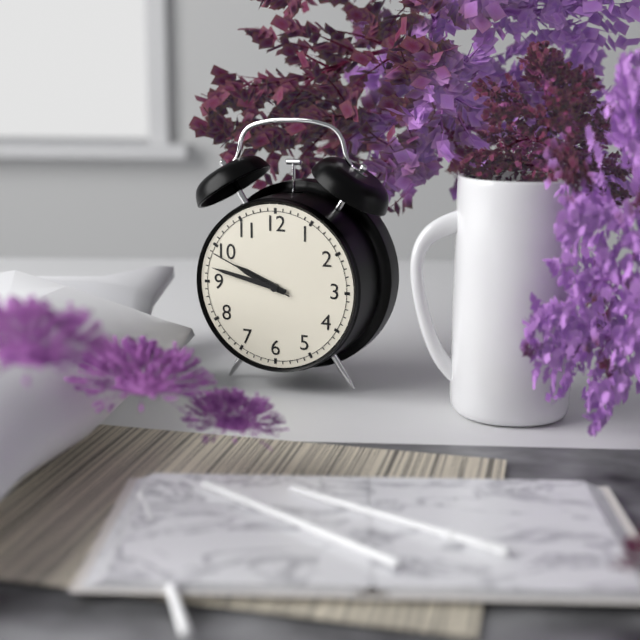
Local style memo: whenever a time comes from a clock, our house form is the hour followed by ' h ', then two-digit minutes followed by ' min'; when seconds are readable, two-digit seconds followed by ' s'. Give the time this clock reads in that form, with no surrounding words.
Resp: 9 h 47 min 49 s
